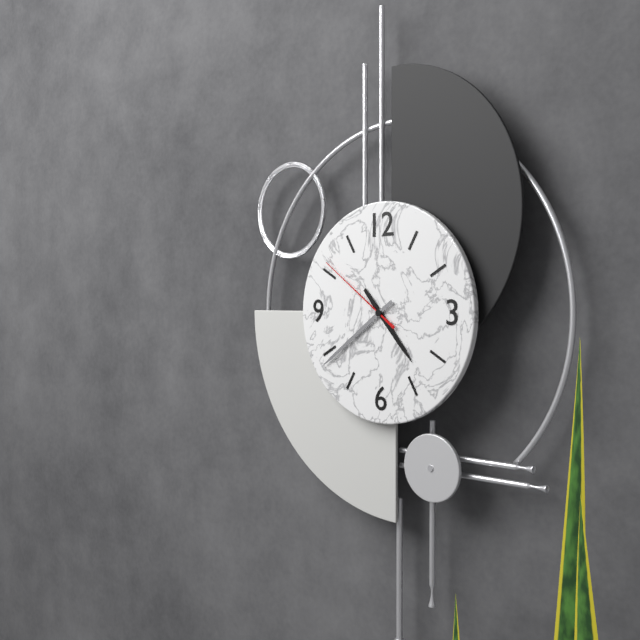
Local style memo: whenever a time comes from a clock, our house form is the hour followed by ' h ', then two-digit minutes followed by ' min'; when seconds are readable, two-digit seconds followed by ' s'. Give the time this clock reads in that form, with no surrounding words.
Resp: 4 h 39 min 51 s
